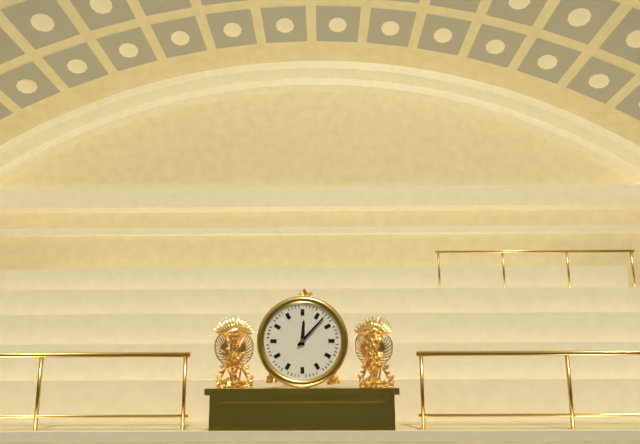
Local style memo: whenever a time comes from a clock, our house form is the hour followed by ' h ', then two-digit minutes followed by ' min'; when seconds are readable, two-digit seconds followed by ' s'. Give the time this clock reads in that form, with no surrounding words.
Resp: 12 h 07 min
